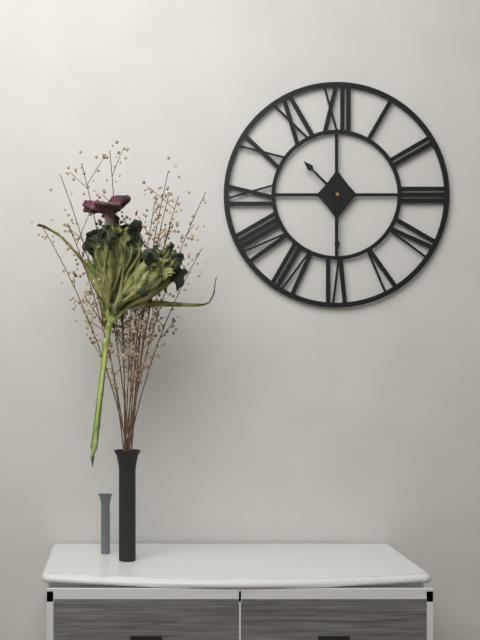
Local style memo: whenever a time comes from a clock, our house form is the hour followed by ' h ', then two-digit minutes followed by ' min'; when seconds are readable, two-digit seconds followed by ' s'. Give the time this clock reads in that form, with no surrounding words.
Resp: 10 h 30 min
